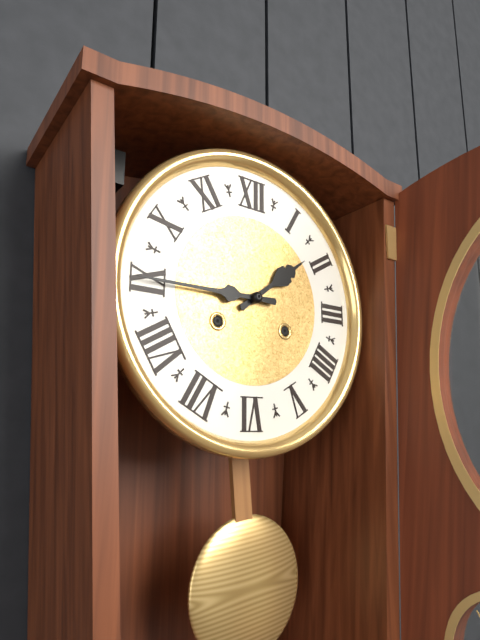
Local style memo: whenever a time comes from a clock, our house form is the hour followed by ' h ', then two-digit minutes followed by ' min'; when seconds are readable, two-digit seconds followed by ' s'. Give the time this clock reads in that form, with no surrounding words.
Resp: 1 h 45 min
